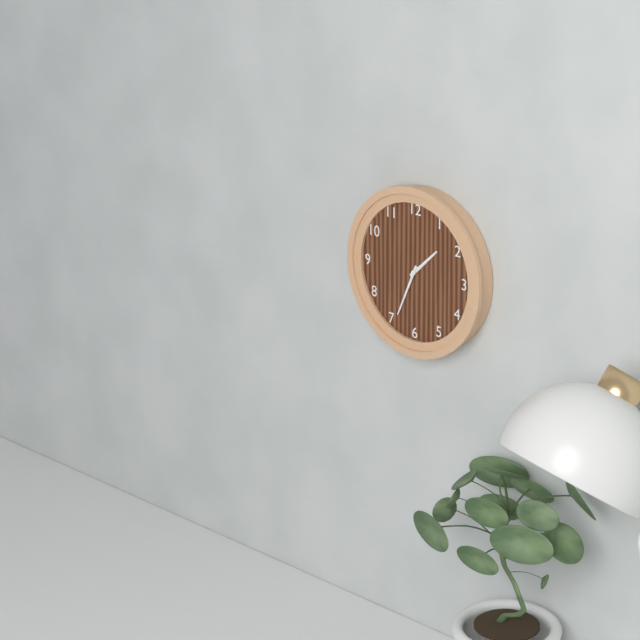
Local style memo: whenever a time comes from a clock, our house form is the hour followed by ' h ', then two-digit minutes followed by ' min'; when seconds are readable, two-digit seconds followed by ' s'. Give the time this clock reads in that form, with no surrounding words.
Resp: 1 h 34 min
